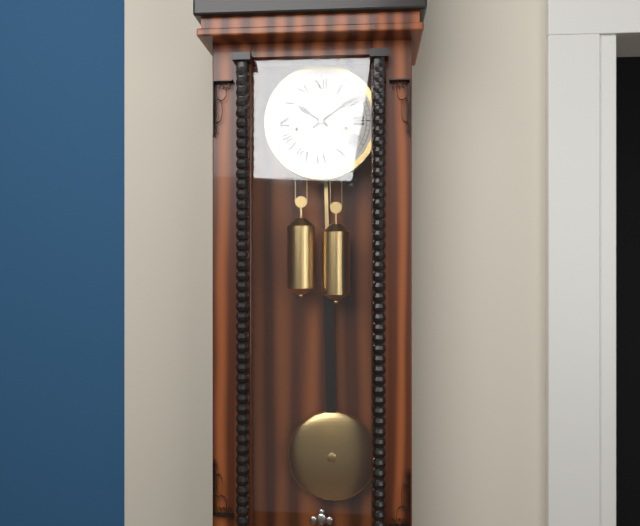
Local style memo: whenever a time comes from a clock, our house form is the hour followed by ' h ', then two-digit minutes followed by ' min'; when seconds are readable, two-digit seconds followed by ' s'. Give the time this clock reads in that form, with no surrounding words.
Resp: 10 h 09 min
